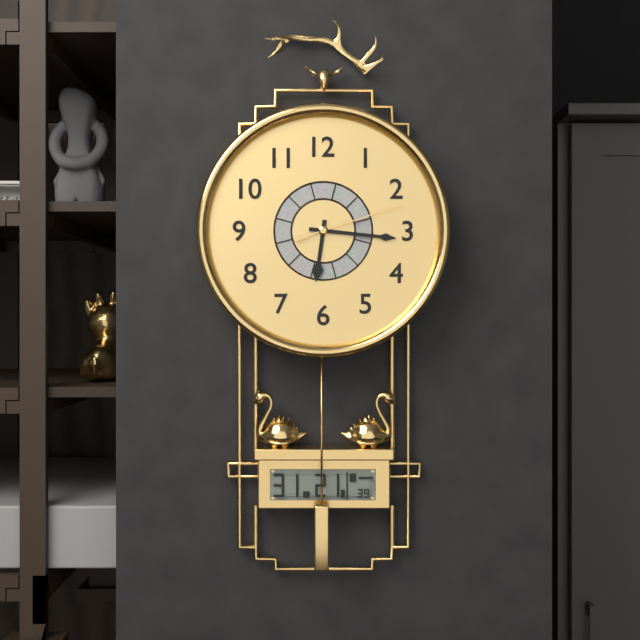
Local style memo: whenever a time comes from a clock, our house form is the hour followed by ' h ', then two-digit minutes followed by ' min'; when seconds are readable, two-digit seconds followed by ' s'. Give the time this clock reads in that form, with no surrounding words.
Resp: 6 h 16 min 12 s
